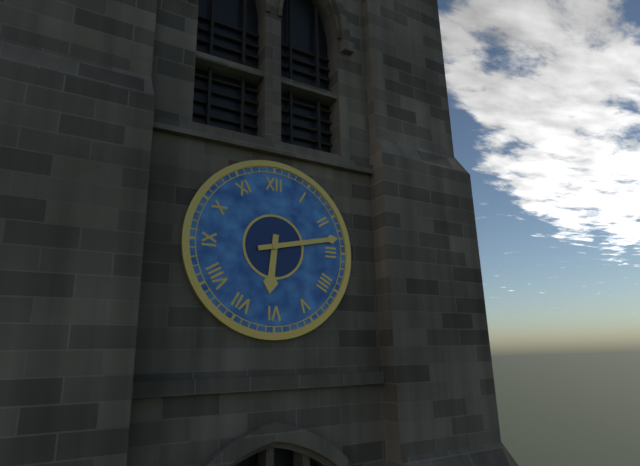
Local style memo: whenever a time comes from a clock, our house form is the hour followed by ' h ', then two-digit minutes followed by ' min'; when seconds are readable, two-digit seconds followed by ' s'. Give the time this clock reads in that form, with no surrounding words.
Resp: 6 h 13 min
